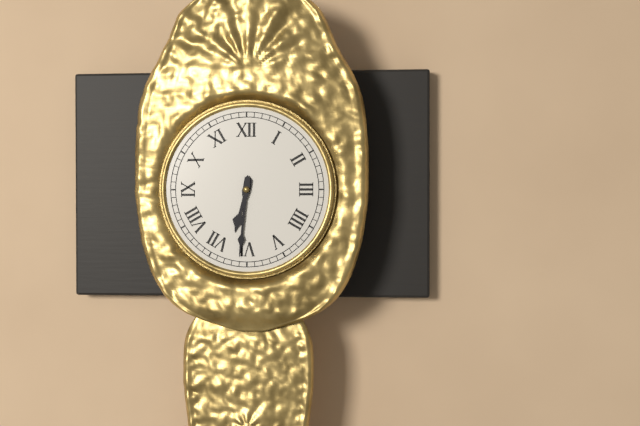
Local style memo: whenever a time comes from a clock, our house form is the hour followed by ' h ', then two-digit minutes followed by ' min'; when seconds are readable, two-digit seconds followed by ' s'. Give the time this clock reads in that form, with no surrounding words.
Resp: 6 h 31 min
